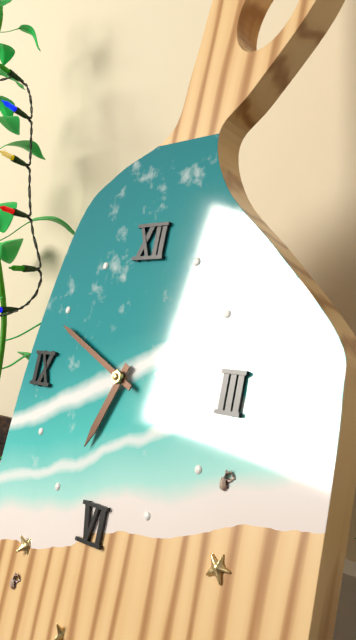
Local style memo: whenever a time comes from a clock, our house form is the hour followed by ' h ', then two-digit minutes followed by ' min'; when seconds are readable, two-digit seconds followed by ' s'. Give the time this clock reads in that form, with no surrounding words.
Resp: 6 h 49 min
